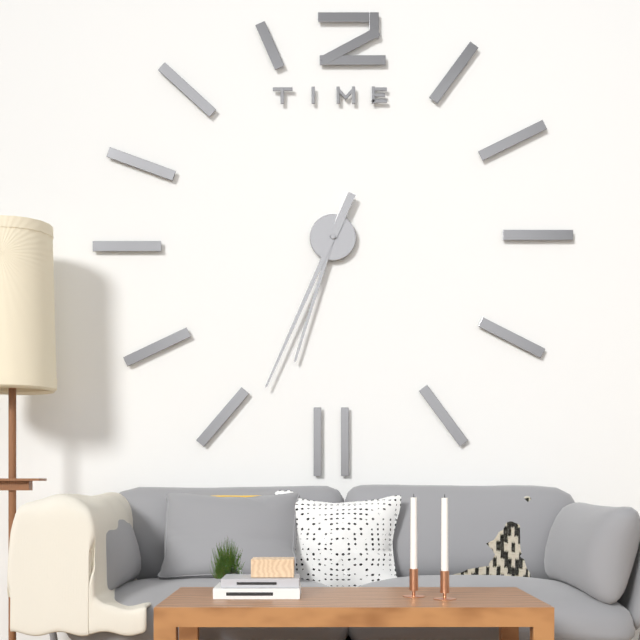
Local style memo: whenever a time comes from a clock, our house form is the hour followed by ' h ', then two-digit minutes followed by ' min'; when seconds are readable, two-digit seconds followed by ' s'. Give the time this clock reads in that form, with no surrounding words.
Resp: 6 h 34 min
